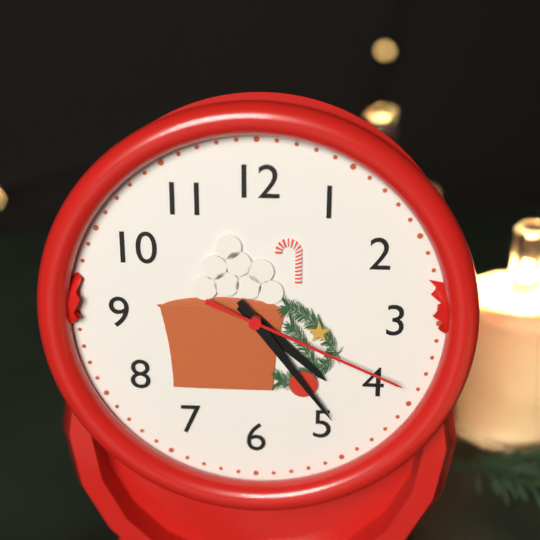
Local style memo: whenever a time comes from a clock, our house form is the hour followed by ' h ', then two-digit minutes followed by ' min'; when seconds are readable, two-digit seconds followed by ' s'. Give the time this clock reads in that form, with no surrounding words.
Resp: 4 h 24 min 19 s
